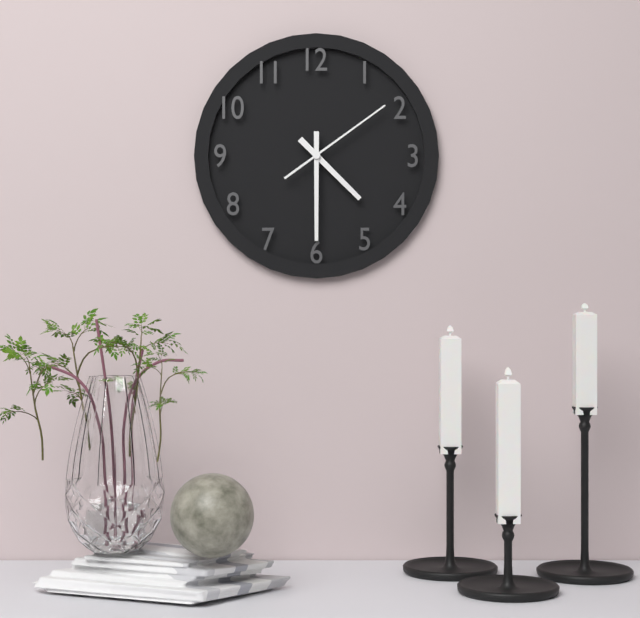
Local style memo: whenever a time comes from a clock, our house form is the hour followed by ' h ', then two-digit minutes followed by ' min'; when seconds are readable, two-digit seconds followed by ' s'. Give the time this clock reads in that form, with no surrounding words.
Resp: 4 h 30 min 09 s
